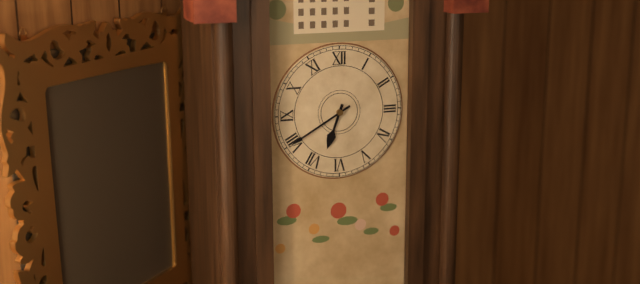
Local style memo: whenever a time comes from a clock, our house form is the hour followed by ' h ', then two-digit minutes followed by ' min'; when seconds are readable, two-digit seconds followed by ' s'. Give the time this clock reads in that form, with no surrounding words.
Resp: 6 h 40 min
